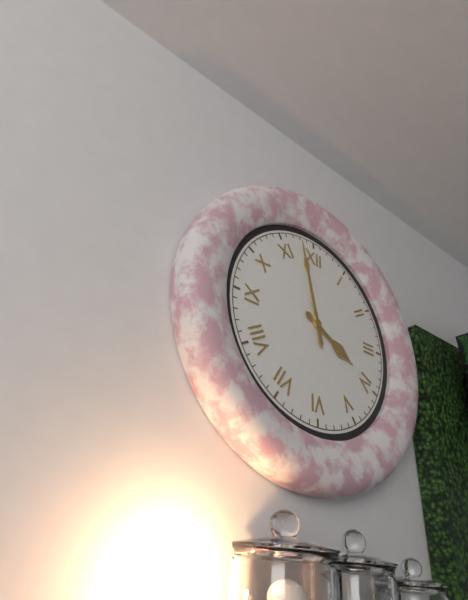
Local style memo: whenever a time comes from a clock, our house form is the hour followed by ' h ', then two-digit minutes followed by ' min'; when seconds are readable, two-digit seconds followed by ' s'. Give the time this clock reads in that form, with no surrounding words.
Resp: 3 h 58 min
